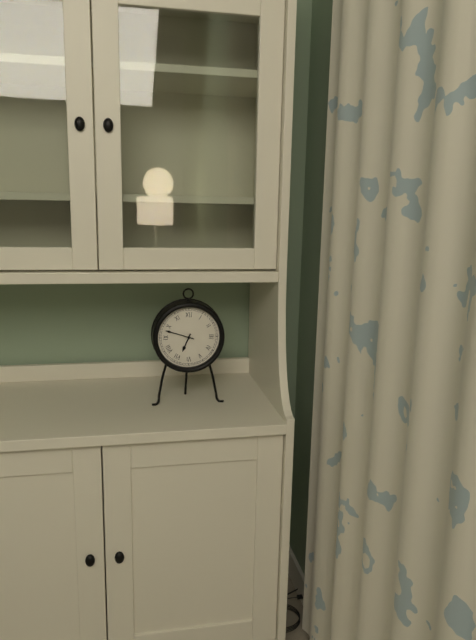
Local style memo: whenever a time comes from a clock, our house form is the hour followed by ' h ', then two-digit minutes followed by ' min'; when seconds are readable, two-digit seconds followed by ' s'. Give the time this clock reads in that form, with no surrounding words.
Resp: 6 h 48 min
